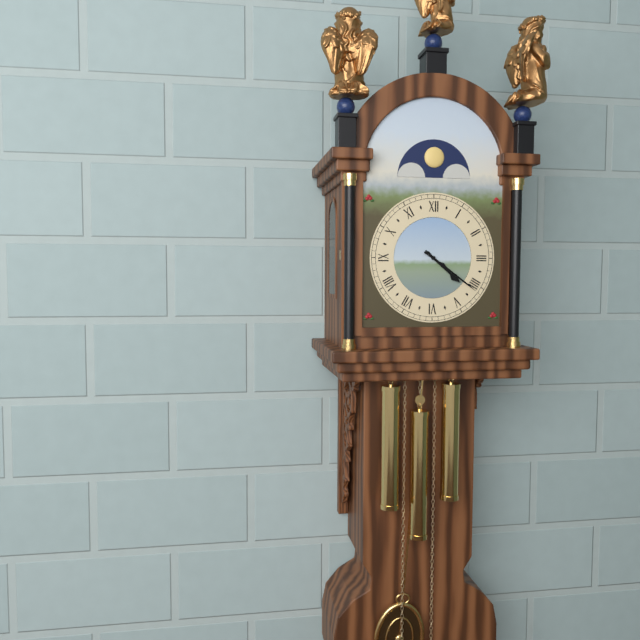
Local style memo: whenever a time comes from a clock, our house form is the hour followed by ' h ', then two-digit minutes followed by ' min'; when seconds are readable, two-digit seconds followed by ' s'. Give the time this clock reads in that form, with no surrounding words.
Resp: 4 h 21 min
